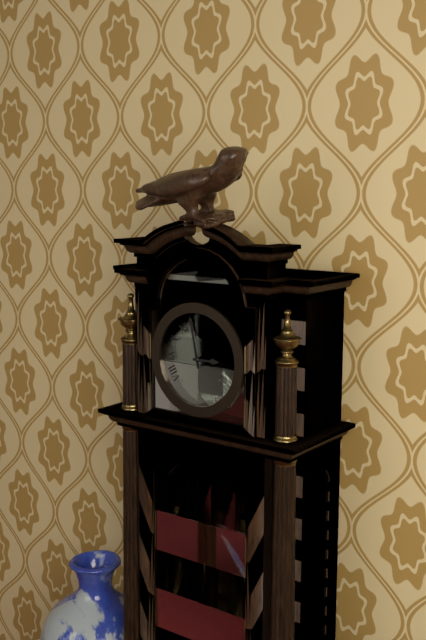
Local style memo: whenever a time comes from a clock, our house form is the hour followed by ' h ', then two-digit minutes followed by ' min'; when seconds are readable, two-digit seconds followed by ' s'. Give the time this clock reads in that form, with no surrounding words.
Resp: 2 h 58 min
